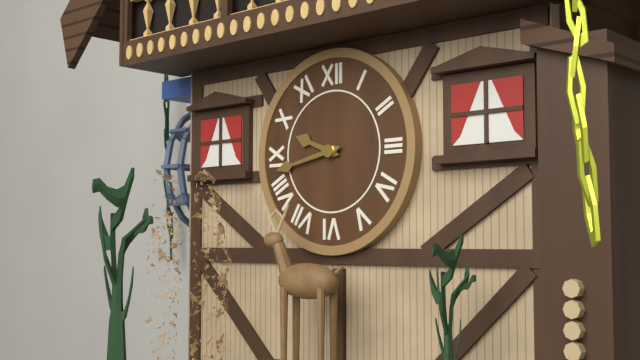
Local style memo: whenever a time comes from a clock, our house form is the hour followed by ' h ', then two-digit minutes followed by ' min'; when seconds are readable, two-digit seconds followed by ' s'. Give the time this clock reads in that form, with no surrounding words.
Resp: 9 h 43 min
